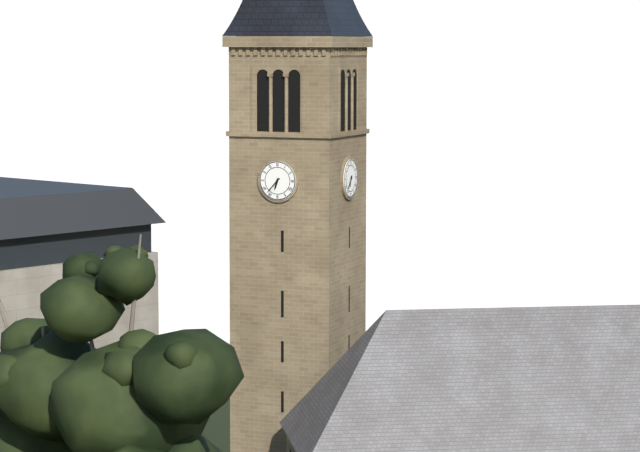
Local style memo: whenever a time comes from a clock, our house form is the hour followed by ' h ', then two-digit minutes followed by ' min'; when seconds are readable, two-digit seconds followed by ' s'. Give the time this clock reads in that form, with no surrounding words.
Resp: 6 h 37 min
